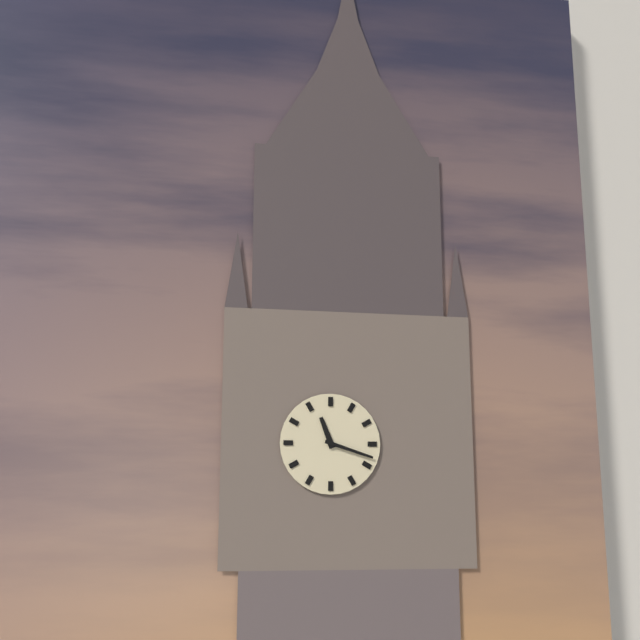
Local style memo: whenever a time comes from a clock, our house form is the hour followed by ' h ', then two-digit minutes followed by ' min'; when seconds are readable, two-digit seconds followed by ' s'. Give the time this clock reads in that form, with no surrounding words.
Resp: 11 h 18 min
